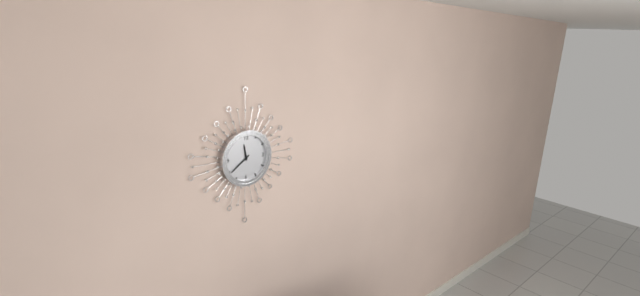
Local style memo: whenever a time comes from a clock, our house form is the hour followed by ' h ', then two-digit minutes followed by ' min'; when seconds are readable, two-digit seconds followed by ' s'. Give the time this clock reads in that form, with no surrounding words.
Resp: 11 h 39 min
